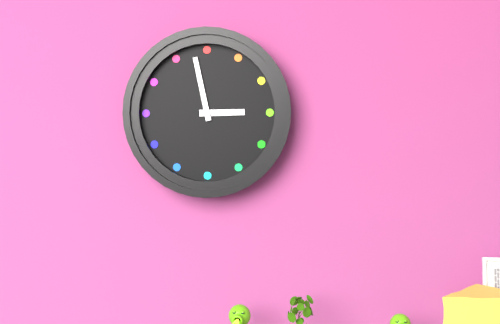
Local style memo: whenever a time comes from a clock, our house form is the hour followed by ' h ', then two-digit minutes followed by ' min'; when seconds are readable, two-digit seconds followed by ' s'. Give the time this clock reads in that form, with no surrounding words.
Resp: 2 h 58 min
